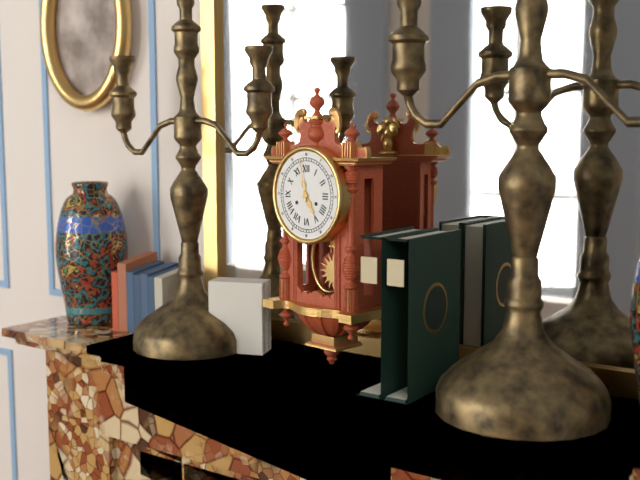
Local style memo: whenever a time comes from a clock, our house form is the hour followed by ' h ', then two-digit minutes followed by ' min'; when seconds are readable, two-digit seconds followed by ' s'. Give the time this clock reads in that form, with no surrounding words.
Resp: 4 h 58 min
